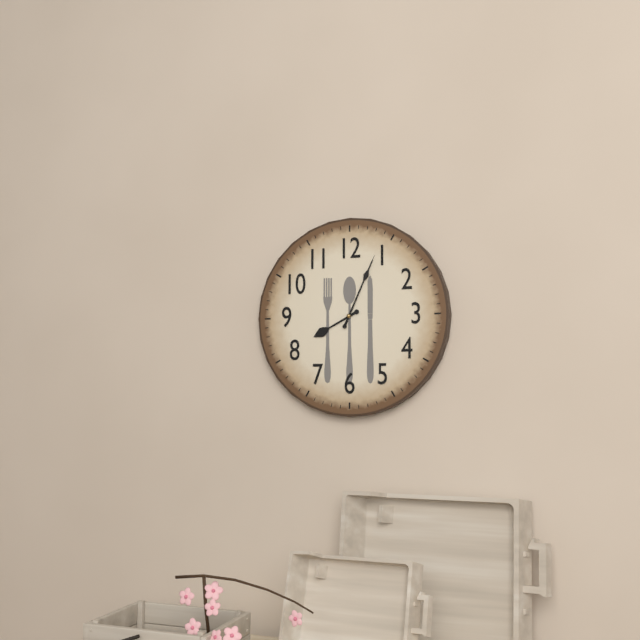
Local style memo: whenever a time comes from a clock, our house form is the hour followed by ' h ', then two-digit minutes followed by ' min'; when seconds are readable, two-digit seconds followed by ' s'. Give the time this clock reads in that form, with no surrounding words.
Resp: 8 h 04 min
